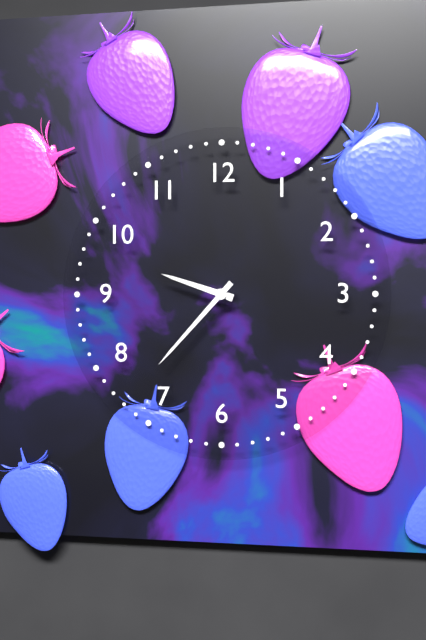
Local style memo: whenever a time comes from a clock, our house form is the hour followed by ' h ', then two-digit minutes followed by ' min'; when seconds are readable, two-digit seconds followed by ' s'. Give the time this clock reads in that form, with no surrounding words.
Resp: 9 h 37 min
